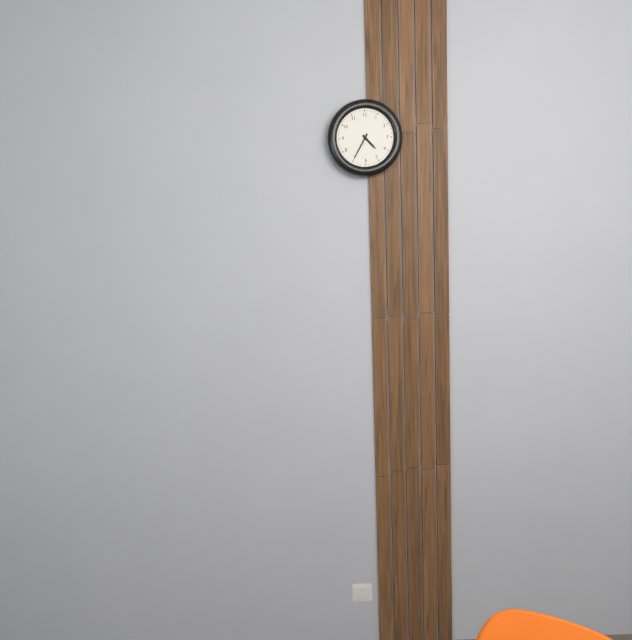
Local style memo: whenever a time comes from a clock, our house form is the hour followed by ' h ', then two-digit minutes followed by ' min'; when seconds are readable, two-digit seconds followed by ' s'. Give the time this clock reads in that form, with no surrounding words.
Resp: 4 h 35 min
